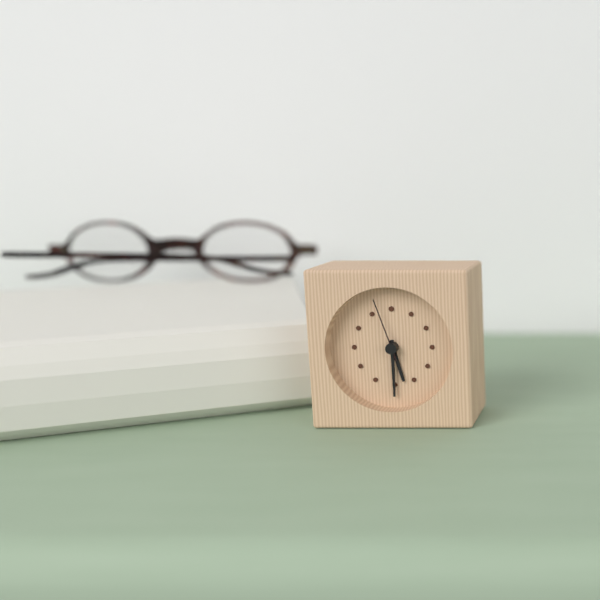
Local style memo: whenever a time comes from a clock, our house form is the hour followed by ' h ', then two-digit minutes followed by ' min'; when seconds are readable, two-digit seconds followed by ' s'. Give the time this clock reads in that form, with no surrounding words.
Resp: 5 h 30 min 57 s
